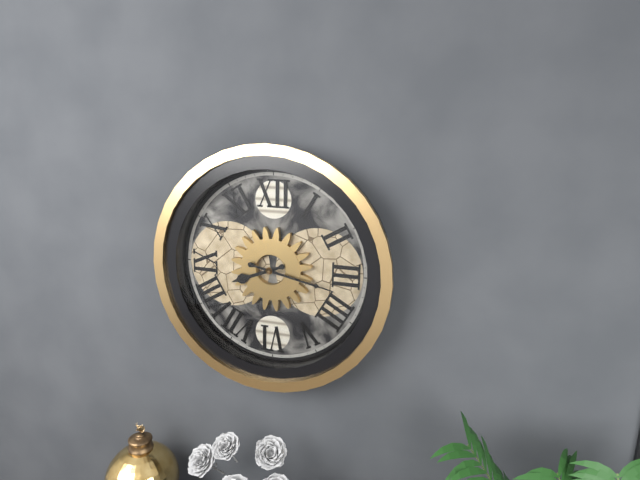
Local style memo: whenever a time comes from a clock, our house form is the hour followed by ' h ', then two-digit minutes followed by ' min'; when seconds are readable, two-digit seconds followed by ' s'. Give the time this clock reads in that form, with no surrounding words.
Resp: 8 h 17 min
